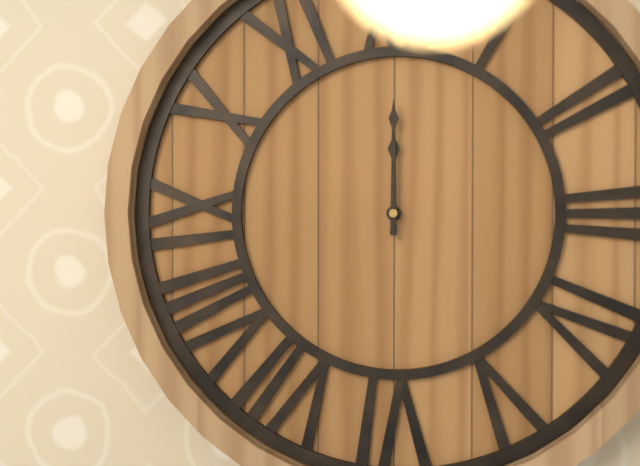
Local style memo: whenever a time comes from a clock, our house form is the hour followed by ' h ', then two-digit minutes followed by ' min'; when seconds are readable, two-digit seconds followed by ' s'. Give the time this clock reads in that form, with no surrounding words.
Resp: 12 h 00 min
